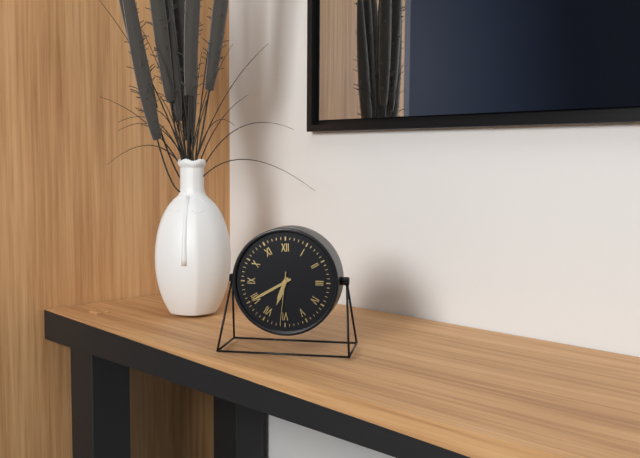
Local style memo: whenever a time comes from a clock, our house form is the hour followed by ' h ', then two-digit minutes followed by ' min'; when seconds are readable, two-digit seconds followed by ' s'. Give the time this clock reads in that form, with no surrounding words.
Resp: 6 h 40 min 31 s
